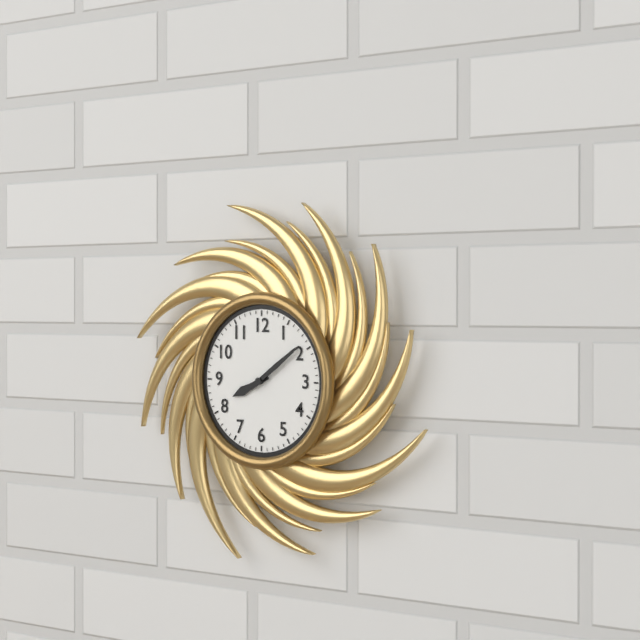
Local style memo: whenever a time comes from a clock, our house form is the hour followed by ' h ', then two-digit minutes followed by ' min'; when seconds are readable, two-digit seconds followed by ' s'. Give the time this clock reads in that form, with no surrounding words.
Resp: 8 h 09 min
